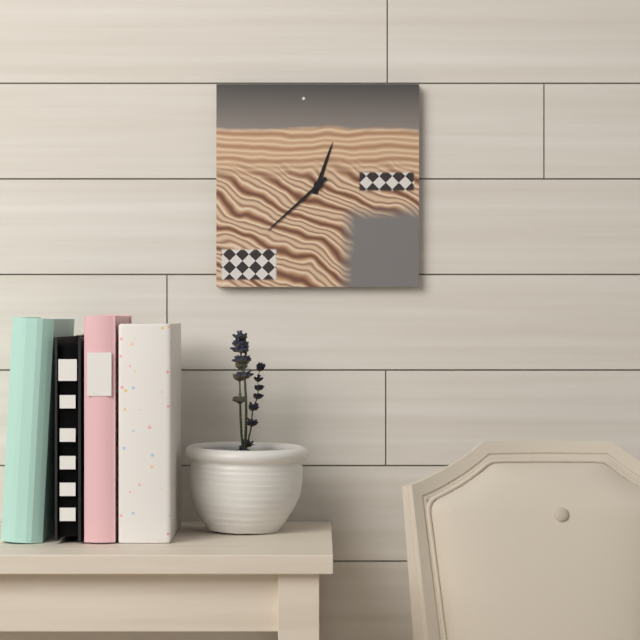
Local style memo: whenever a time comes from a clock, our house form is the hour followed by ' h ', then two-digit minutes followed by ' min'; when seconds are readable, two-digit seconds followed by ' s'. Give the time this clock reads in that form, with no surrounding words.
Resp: 12 h 38 min
